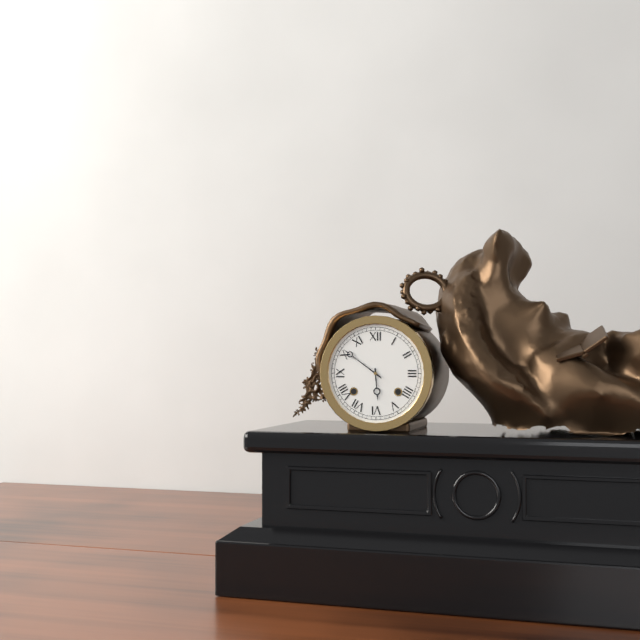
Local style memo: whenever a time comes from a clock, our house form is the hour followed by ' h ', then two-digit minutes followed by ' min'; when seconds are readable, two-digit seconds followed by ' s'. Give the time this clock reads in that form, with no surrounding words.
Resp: 5 h 51 min
